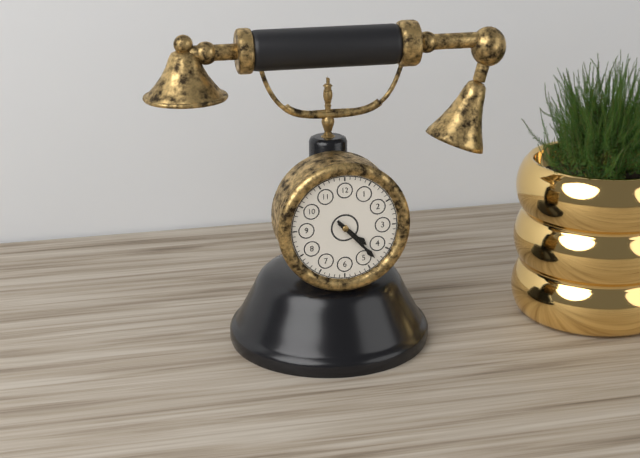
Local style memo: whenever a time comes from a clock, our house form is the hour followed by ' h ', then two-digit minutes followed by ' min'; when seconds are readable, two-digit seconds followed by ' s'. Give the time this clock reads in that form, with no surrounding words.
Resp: 4 h 23 min
